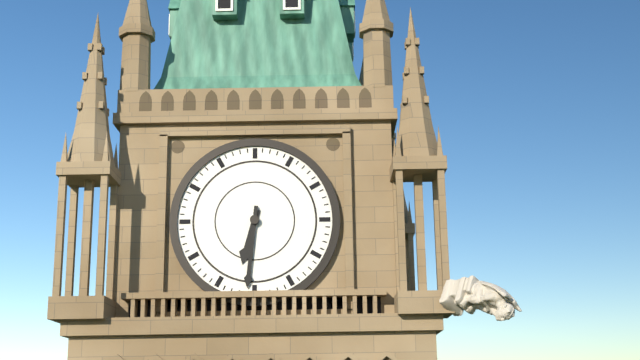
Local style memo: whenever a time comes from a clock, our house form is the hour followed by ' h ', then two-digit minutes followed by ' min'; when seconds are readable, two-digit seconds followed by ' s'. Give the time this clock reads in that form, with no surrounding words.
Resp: 6 h 31 min
